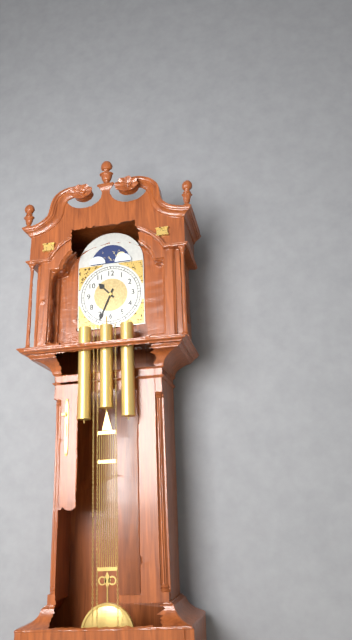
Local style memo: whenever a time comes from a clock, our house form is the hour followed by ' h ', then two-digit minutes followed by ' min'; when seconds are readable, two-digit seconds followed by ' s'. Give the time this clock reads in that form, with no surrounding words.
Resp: 10 h 34 min
